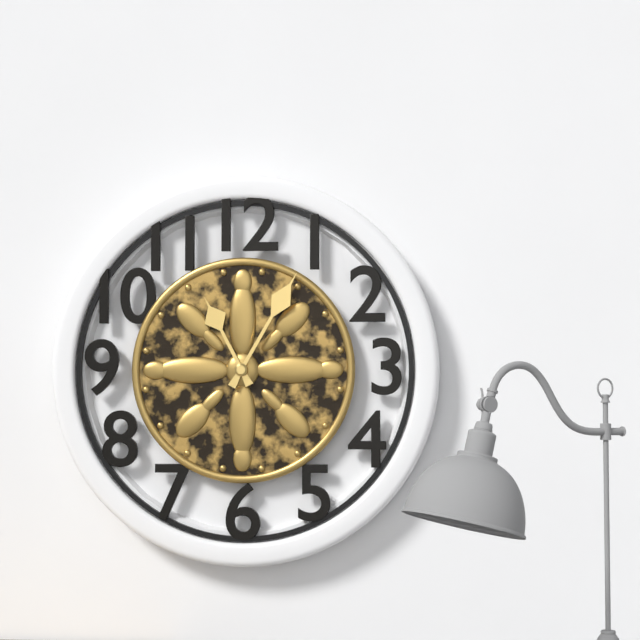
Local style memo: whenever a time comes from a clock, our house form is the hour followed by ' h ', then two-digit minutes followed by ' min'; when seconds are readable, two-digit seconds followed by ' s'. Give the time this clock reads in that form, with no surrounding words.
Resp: 11 h 05 min
